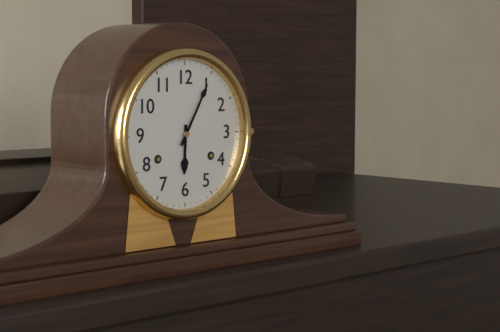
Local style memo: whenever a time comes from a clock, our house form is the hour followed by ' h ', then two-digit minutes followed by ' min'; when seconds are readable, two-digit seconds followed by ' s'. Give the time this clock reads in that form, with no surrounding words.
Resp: 6 h 05 min
